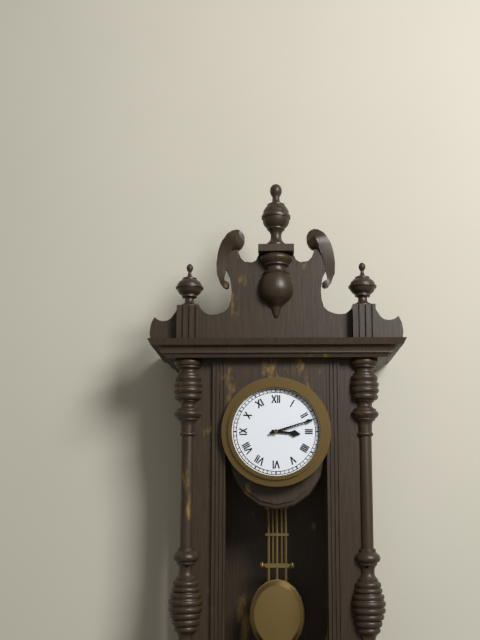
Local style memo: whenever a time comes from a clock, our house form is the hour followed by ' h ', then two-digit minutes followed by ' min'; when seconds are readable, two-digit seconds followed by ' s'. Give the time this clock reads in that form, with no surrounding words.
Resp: 3 h 12 min
